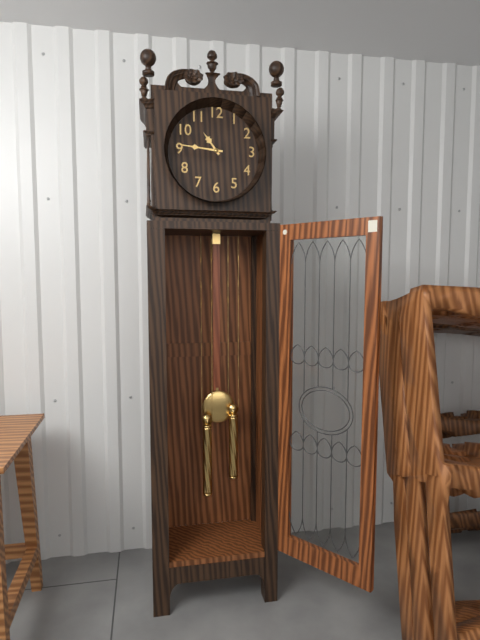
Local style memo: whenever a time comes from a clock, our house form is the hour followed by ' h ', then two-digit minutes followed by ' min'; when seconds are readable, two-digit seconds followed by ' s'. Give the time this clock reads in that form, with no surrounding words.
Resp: 10 h 46 min
